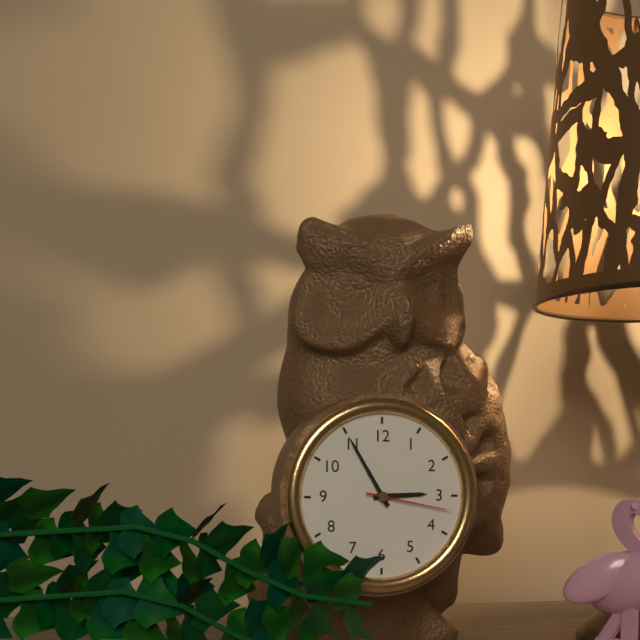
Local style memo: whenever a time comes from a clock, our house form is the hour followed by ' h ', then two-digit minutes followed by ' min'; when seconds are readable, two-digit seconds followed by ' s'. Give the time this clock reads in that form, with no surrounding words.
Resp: 2 h 55 min 17 s
